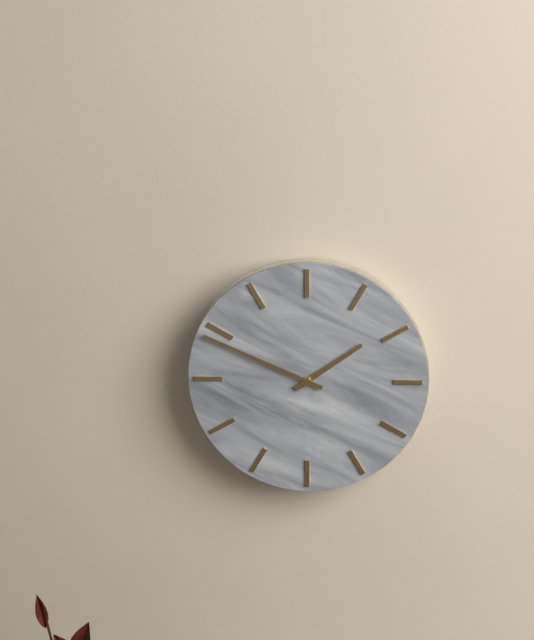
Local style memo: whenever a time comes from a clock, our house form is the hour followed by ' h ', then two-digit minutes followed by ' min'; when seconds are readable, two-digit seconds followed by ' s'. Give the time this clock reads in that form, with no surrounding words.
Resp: 1 h 49 min
